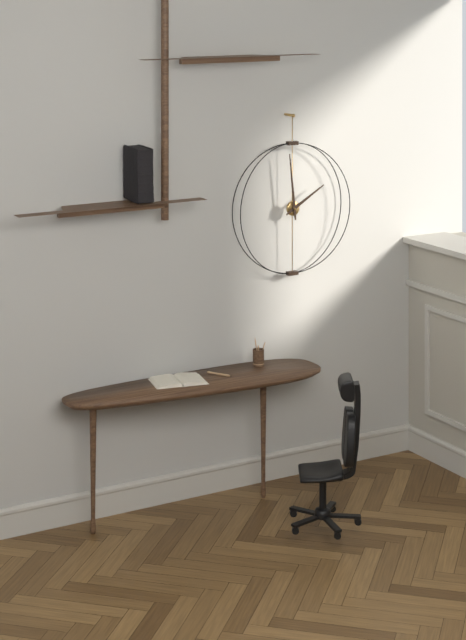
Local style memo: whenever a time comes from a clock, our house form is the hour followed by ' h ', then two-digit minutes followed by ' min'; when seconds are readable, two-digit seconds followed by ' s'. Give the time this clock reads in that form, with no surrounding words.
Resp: 1 h 59 min
